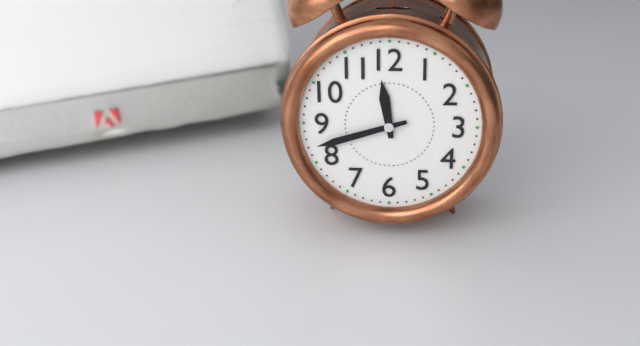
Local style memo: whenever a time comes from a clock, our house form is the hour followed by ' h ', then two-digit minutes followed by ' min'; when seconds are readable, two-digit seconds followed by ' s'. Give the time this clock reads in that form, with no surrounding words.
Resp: 11 h 42 min
